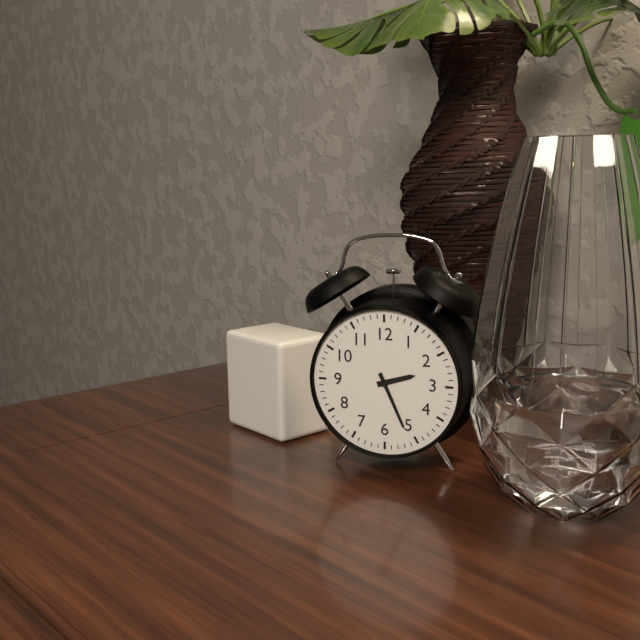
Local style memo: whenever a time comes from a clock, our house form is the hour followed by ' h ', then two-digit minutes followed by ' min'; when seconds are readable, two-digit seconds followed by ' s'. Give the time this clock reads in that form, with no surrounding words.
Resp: 2 h 26 min
